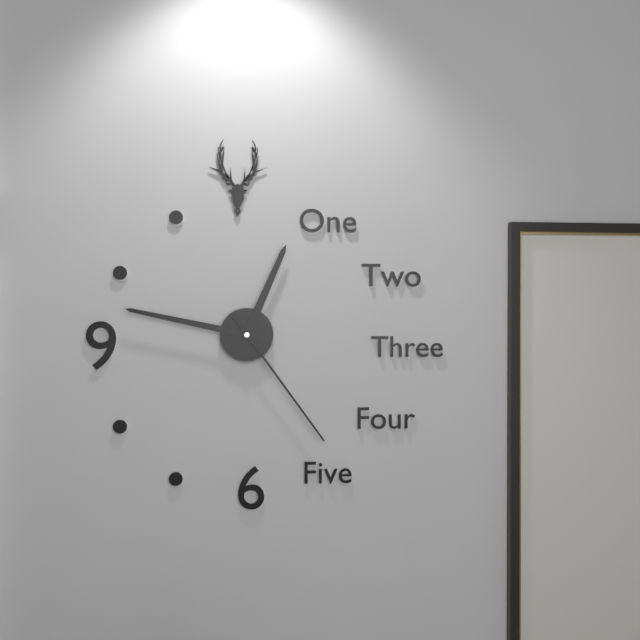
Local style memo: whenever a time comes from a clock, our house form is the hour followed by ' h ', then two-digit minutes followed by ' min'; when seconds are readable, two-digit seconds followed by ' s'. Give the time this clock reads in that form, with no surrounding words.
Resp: 12 h 47 min 24 s
